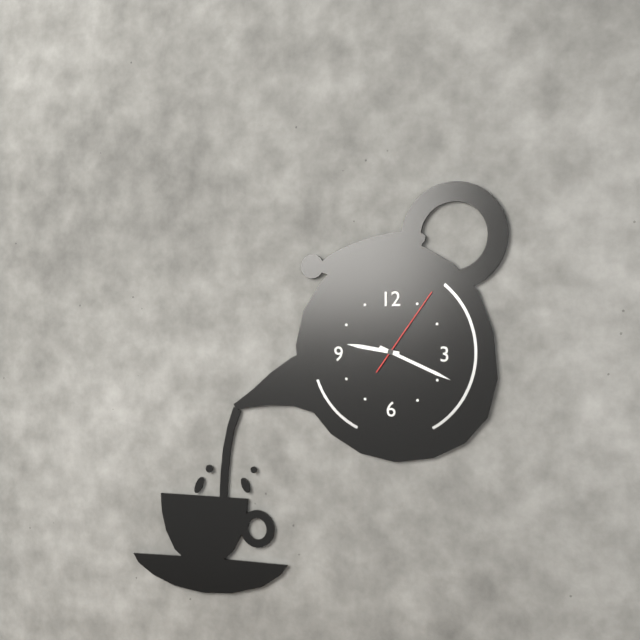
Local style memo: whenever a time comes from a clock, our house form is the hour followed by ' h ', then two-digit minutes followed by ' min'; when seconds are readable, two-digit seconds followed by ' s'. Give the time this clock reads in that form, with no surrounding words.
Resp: 9 h 19 min 06 s
